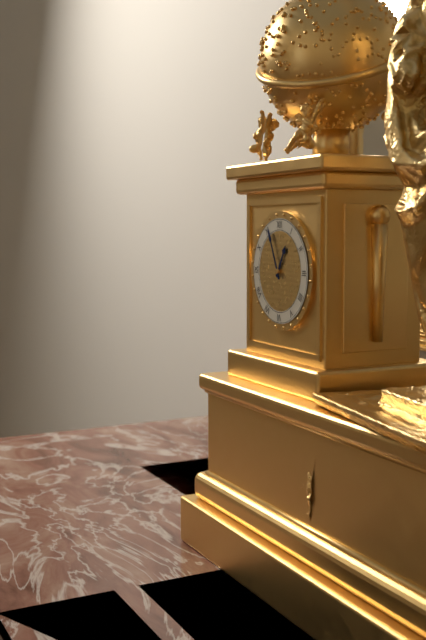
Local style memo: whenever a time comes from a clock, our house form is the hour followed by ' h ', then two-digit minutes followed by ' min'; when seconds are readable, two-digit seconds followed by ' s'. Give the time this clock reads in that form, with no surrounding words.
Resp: 12 h 56 min
